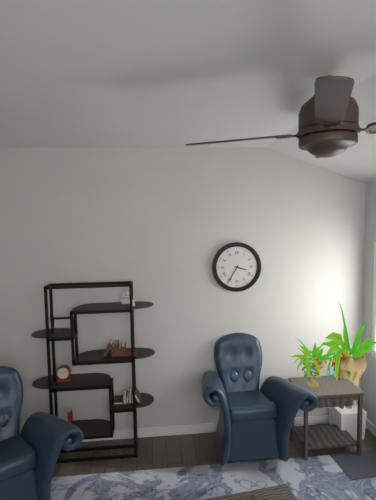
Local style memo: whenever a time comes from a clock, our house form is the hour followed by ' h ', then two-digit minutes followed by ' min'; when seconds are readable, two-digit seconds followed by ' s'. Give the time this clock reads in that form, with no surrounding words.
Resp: 3 h 35 min
